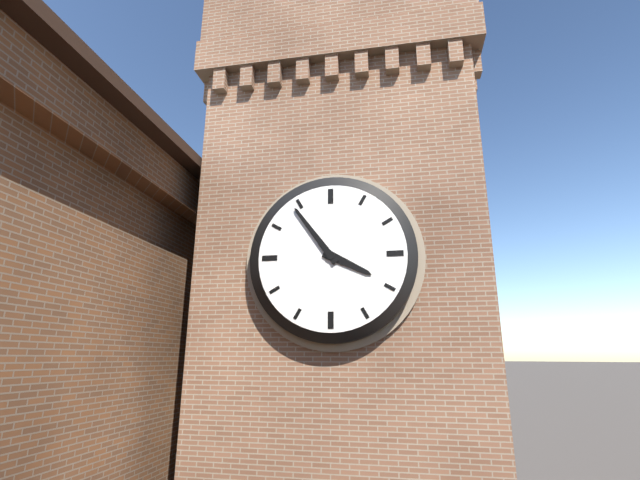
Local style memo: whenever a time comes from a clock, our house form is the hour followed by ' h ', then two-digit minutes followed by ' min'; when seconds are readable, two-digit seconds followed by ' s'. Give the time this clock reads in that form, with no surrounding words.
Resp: 3 h 54 min
